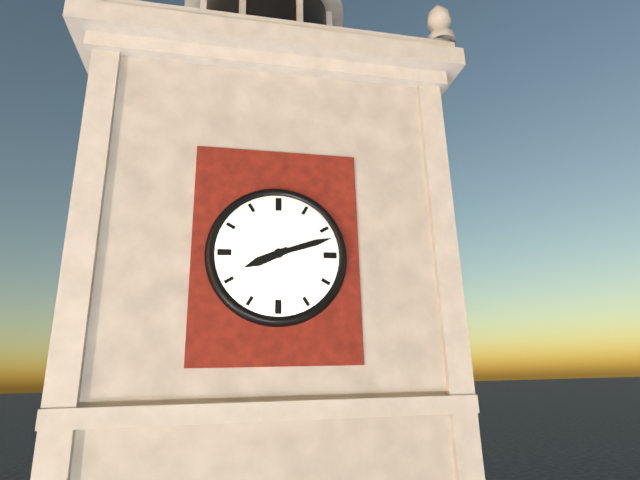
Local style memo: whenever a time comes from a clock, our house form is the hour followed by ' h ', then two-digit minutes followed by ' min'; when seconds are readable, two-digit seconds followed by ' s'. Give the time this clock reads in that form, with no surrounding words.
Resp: 8 h 12 min
